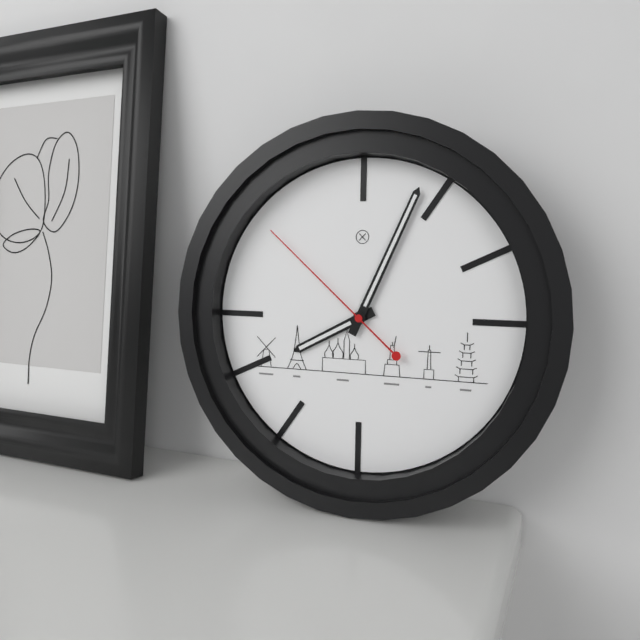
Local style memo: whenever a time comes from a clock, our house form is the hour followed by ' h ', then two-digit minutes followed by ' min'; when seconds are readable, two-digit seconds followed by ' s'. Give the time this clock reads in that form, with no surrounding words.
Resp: 8 h 04 min 52 s
